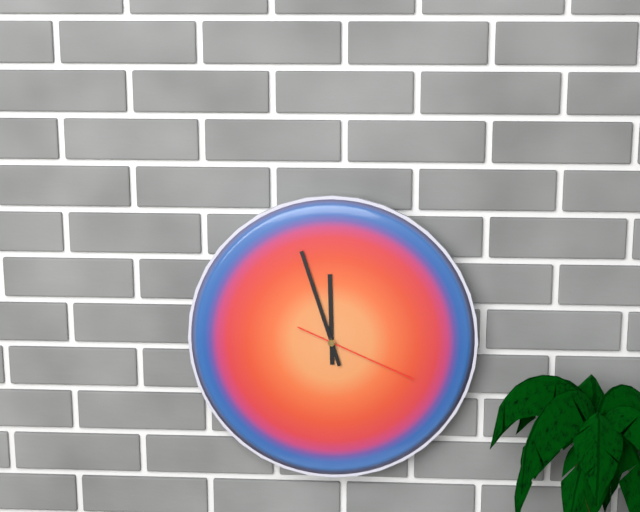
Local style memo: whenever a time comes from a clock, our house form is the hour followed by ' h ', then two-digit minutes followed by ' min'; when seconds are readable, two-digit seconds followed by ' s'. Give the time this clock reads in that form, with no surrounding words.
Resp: 11 h 57 min 19 s
